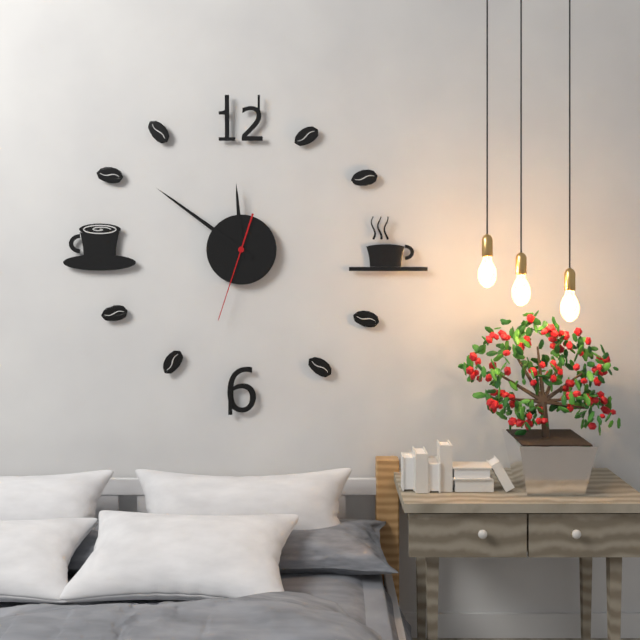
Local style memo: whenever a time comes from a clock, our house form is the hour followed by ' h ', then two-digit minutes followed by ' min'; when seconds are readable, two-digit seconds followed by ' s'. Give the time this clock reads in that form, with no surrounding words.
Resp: 11 h 51 min 33 s
